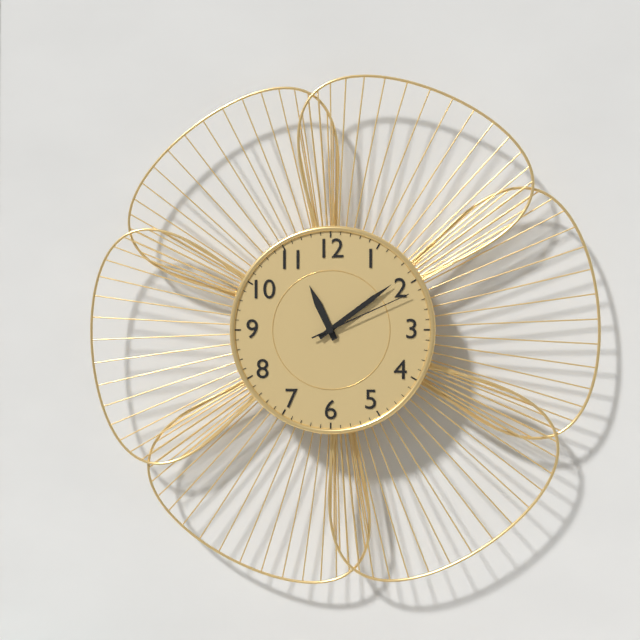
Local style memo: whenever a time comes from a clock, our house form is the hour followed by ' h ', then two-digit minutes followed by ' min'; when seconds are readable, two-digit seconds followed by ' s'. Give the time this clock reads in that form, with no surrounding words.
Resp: 11 h 09 min 11 s
